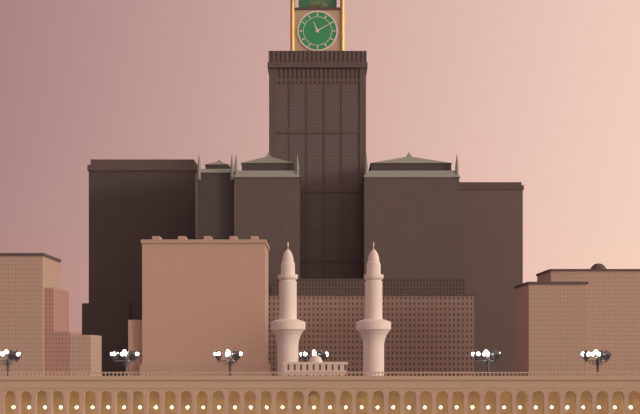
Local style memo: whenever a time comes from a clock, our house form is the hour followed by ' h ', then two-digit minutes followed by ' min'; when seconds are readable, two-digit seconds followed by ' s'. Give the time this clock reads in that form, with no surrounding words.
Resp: 11 h 10 min
